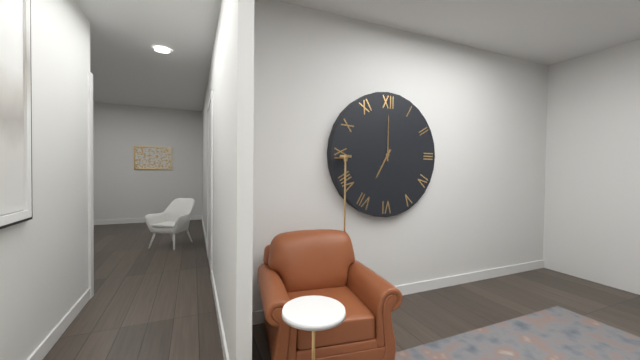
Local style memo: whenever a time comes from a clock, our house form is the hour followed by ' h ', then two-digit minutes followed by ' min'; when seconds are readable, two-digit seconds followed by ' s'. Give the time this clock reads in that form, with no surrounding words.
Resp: 7 h 00 min
